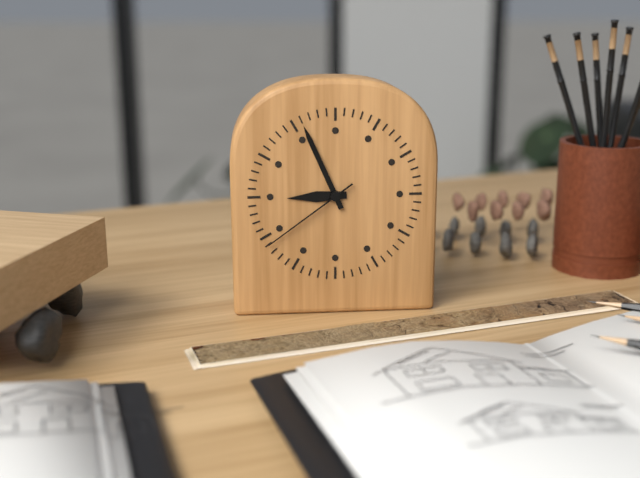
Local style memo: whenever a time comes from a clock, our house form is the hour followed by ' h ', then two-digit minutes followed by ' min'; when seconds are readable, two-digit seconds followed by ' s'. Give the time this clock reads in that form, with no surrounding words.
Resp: 8 h 56 min 39 s
